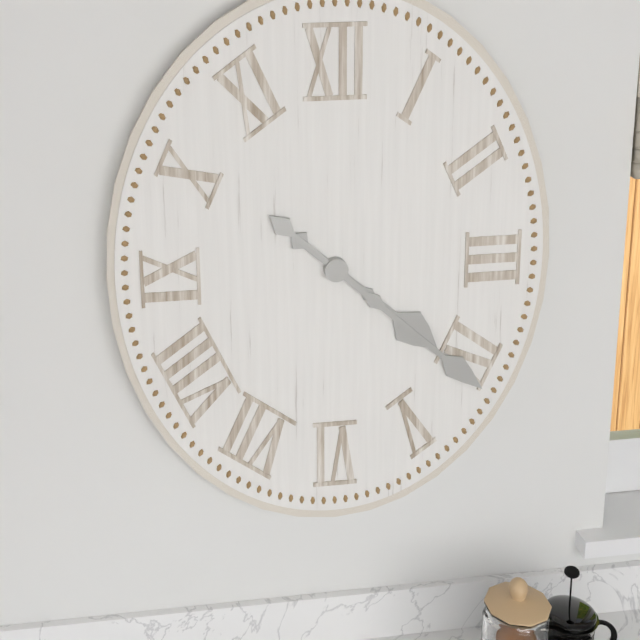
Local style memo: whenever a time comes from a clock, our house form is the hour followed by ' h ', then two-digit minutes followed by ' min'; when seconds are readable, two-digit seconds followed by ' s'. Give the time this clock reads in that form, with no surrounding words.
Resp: 4 h 22 min
